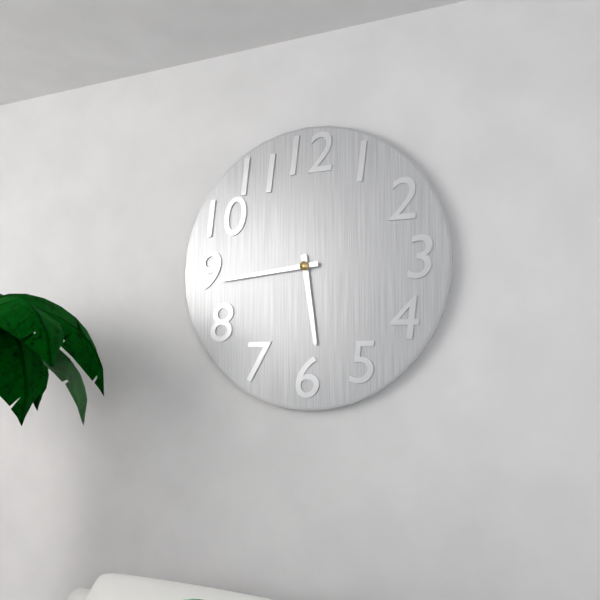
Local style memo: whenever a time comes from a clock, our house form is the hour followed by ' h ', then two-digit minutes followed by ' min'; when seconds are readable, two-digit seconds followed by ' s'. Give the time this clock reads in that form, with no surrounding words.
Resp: 5 h 44 min
